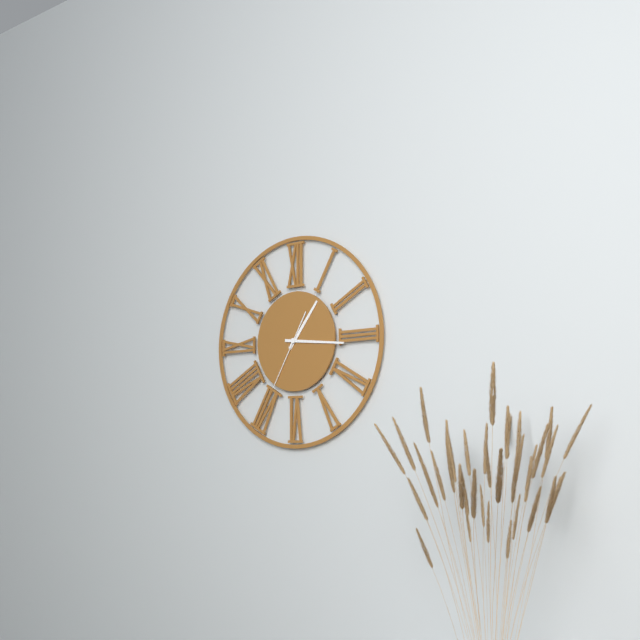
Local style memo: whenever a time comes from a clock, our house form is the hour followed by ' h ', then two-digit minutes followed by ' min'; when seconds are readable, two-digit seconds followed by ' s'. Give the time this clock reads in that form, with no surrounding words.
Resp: 1 h 16 min 35 s
